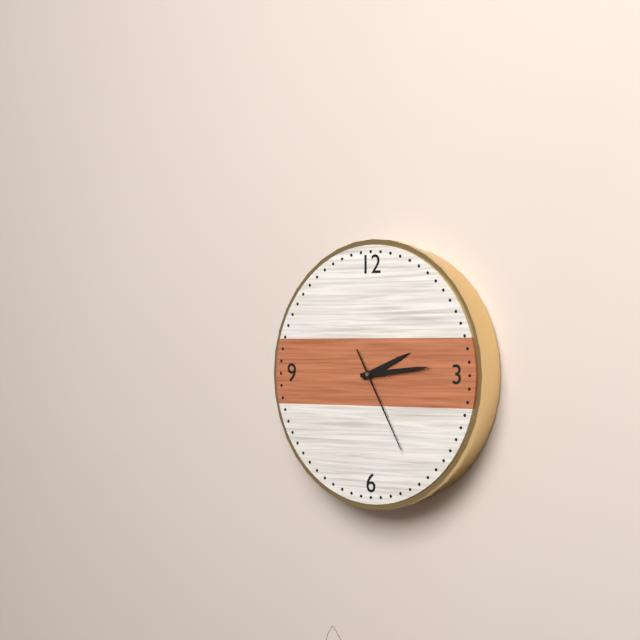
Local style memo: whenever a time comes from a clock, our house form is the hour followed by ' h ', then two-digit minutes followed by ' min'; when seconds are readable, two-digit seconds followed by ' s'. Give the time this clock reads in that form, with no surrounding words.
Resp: 2 h 14 min 25 s
